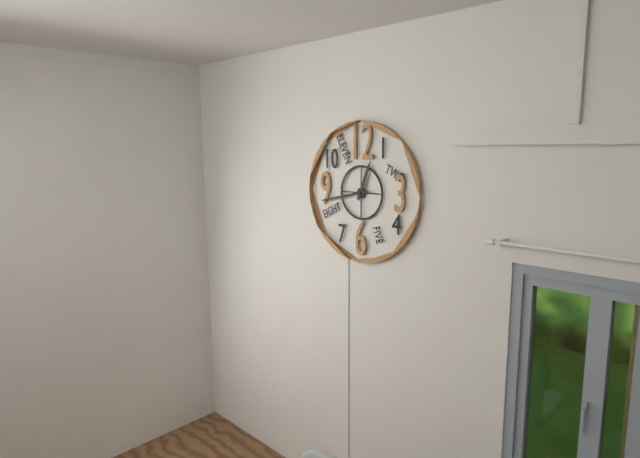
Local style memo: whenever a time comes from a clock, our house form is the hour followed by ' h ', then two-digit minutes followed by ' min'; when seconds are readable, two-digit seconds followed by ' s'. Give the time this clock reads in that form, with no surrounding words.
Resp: 12 h 43 min
